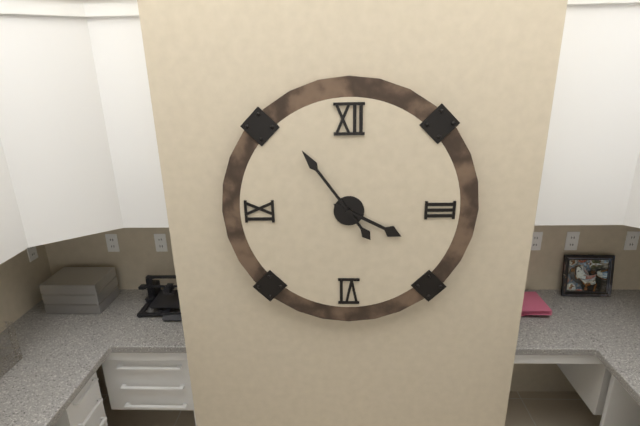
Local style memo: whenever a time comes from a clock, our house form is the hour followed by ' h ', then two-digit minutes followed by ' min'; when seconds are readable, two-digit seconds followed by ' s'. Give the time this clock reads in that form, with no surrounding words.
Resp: 3 h 54 min
